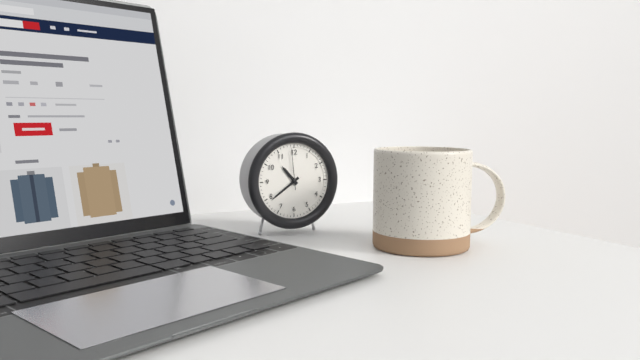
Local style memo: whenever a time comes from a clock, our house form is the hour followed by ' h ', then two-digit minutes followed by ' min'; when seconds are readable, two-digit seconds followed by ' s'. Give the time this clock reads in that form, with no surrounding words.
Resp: 10 h 39 min
